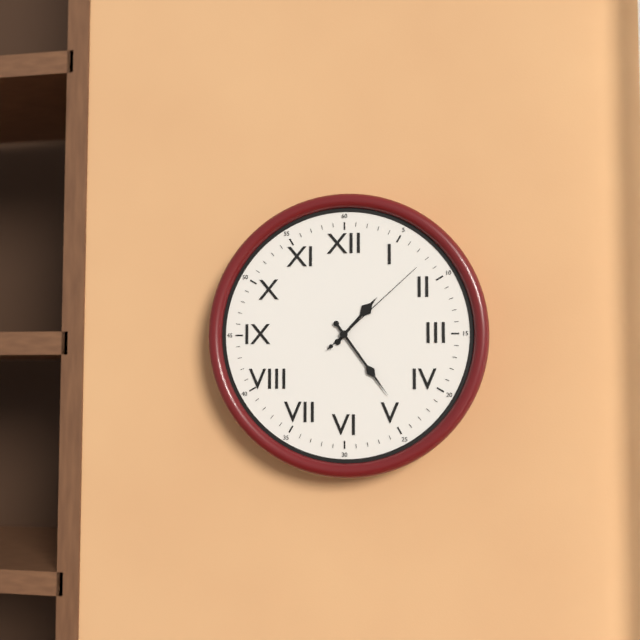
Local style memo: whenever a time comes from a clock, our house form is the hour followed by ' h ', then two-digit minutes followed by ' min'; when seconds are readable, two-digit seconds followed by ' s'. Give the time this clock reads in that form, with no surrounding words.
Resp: 1 h 24 min 08 s
